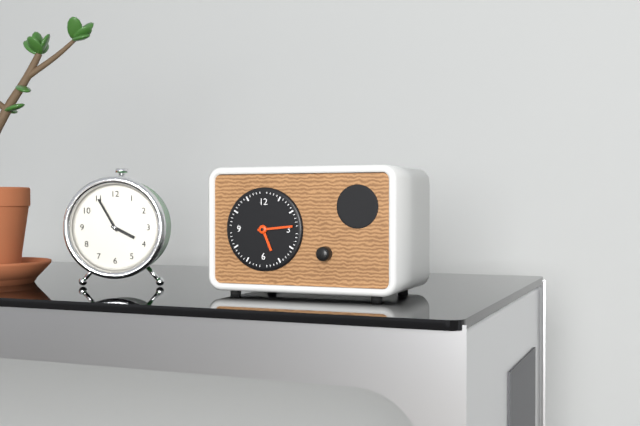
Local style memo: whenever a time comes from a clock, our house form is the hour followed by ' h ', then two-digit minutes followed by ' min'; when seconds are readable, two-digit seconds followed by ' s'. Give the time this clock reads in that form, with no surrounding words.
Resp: 5 h 14 min
